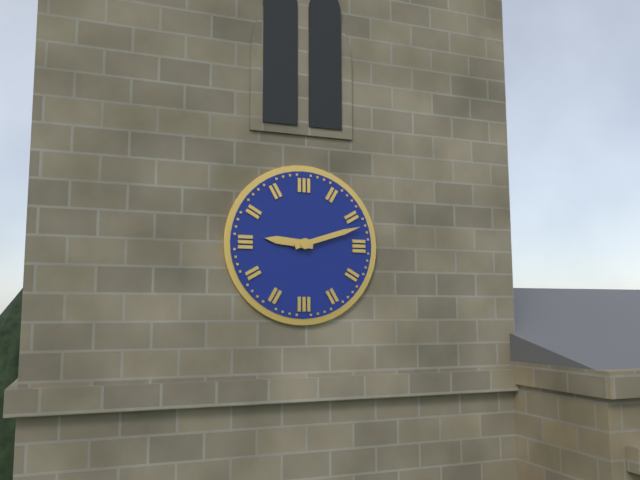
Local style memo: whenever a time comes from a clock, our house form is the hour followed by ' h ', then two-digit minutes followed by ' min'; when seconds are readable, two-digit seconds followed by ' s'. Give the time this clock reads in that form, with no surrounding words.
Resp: 9 h 12 min
